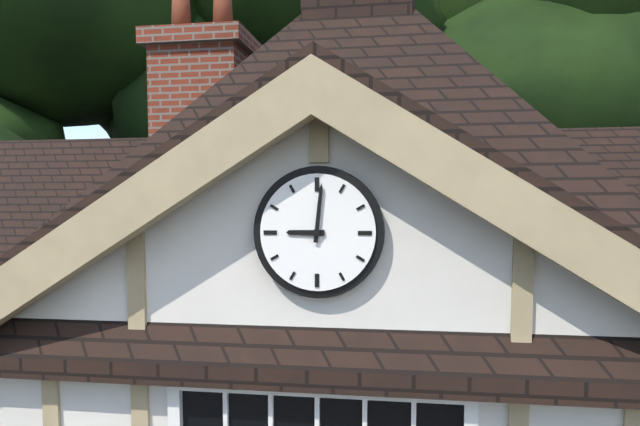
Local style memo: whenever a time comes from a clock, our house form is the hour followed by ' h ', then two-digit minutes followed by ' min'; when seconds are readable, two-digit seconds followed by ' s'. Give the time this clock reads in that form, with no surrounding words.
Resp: 9 h 01 min
